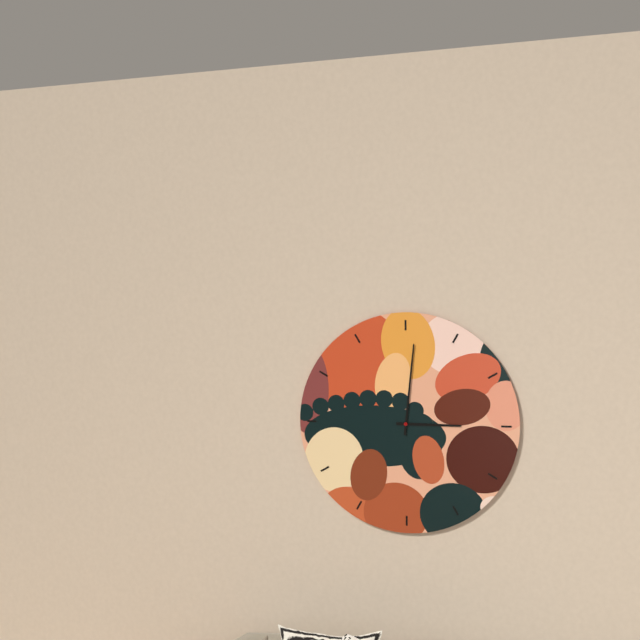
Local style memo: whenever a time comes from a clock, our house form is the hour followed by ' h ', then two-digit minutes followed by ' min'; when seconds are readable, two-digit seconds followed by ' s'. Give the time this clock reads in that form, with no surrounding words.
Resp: 3 h 01 min
